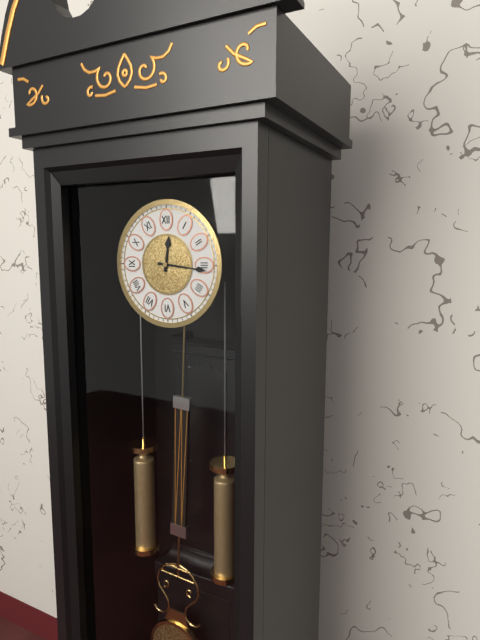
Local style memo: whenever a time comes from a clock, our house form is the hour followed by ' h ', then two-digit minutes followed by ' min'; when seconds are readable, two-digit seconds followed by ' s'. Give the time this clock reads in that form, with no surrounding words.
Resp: 12 h 16 min
